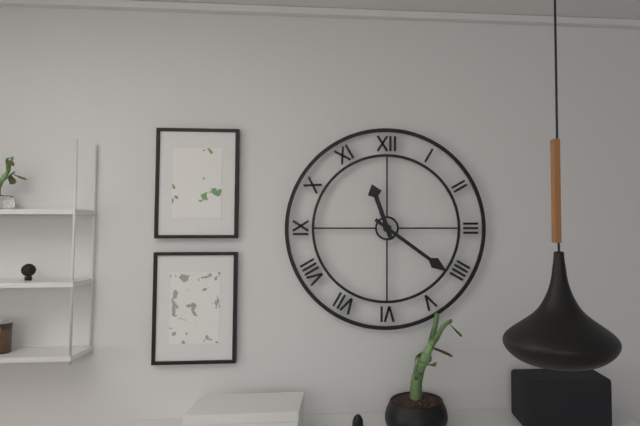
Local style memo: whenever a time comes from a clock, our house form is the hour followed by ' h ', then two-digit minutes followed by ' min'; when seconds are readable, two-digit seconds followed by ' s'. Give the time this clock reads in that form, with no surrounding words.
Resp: 11 h 21 min
